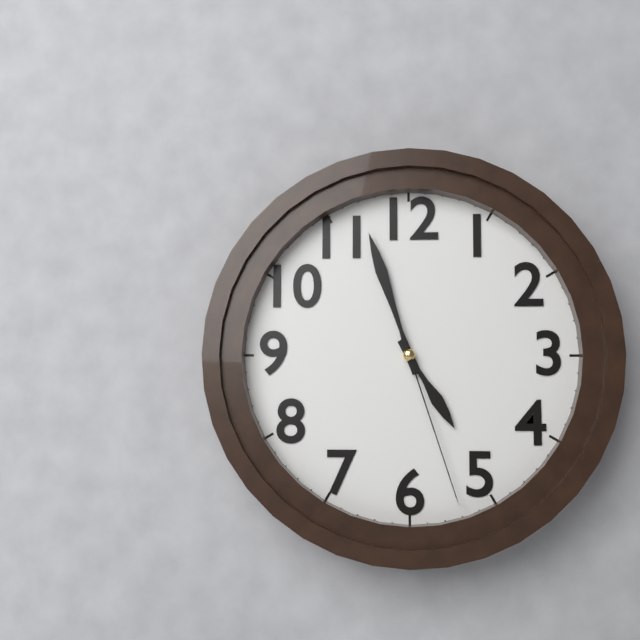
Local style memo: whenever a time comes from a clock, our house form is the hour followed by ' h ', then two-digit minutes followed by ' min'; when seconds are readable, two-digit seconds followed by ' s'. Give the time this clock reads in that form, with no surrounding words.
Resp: 4 h 57 min 27 s
